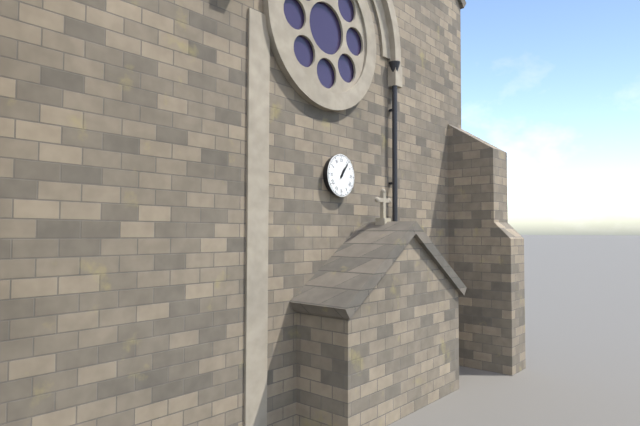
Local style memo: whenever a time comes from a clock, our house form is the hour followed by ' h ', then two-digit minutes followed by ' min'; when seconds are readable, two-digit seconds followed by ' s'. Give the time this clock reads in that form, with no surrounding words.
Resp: 1 h 06 min
